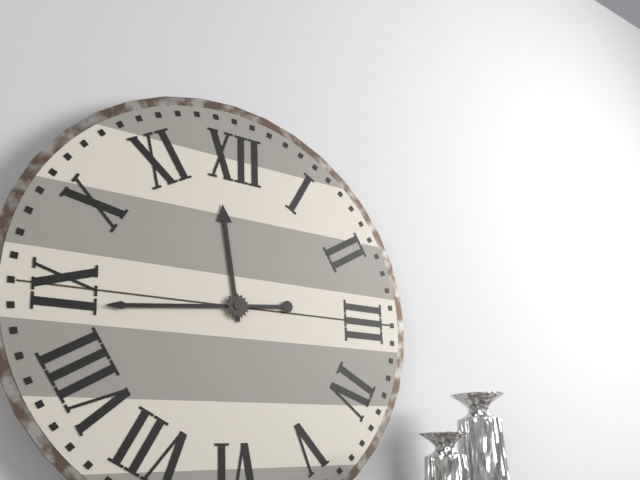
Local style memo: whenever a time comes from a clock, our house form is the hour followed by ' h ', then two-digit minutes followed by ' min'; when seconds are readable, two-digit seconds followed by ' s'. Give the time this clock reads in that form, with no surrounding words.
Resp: 11 h 44 min
